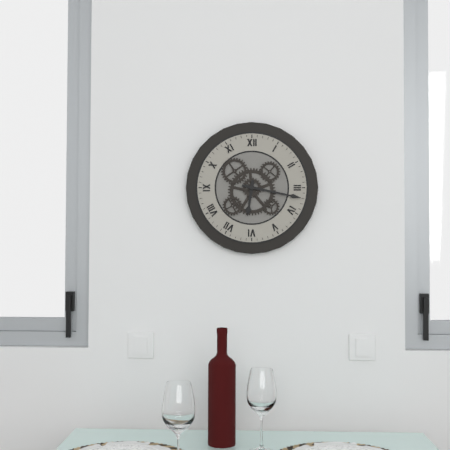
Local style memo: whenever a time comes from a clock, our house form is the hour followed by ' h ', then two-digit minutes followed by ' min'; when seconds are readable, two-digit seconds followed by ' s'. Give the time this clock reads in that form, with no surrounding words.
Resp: 6 h 17 min
